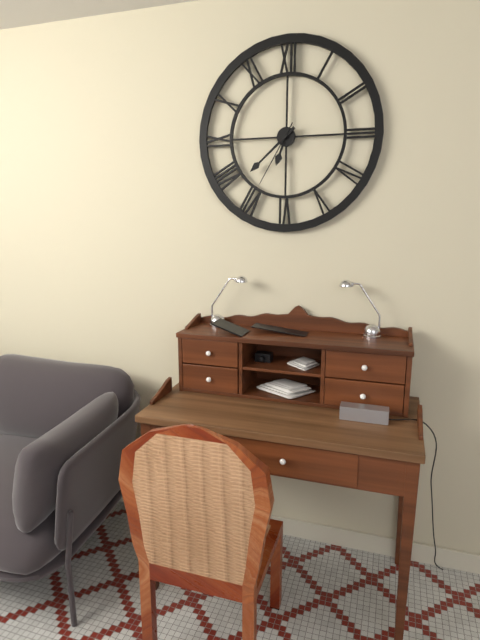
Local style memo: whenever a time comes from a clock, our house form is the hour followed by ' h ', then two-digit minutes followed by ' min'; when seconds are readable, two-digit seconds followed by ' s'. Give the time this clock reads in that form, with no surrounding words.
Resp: 6 h 38 min 35 s
